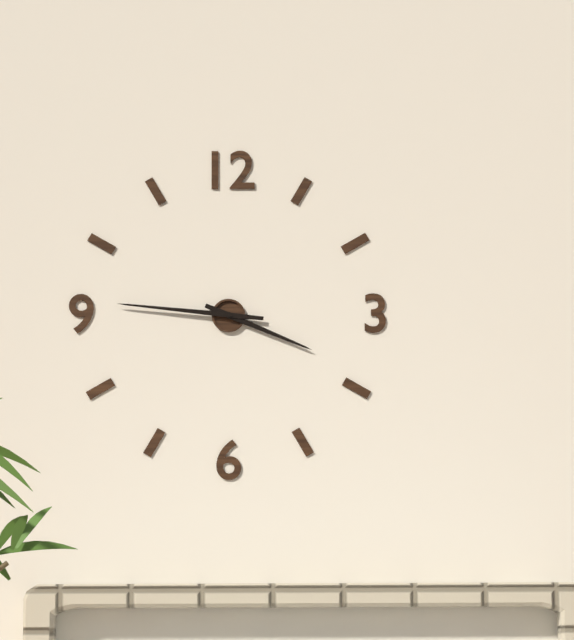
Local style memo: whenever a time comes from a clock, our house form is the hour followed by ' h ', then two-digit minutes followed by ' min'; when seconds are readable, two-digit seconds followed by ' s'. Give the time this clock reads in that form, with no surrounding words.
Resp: 3 h 46 min
